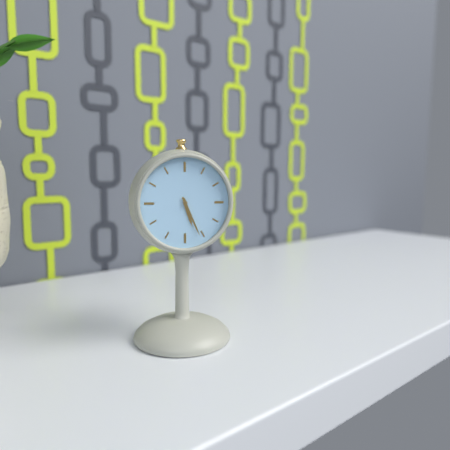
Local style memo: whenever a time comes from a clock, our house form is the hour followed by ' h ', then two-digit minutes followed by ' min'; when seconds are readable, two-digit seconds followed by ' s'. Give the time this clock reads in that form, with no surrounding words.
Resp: 5 h 26 min
